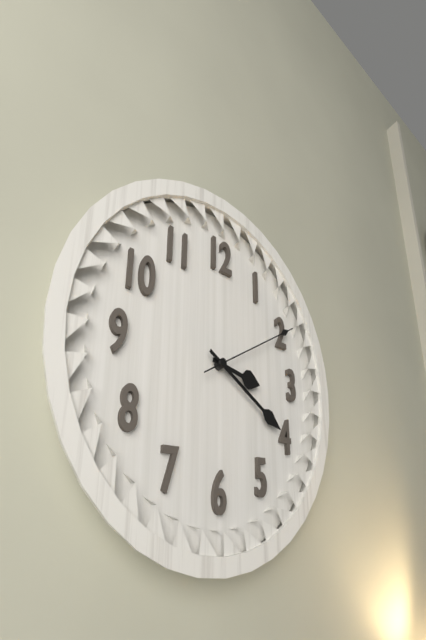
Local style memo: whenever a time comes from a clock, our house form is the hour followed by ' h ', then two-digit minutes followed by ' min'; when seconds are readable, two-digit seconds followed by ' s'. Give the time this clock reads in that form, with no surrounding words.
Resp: 3 h 20 min 10 s
